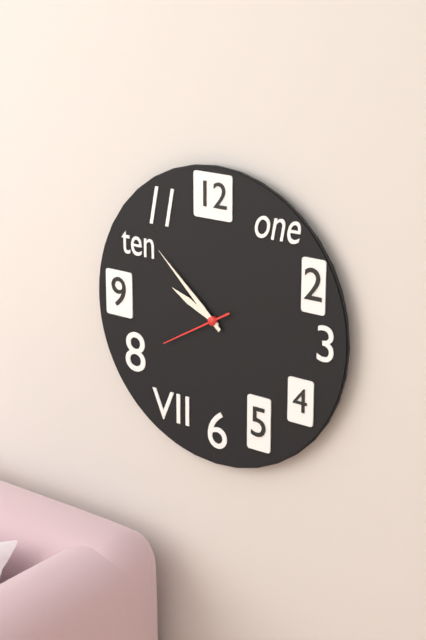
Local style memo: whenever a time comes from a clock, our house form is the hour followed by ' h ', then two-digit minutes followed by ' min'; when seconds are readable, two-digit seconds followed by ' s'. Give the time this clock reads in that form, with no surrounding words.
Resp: 9 h 52 min 40 s
